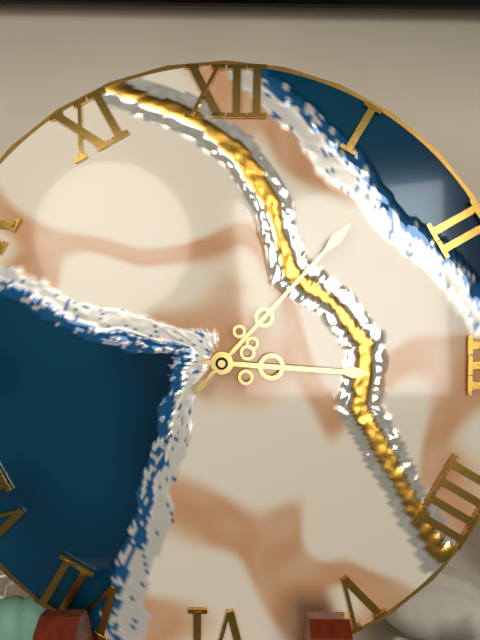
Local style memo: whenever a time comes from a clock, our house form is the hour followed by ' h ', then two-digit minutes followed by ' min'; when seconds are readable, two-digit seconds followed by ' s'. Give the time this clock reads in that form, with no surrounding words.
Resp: 3 h 07 min
